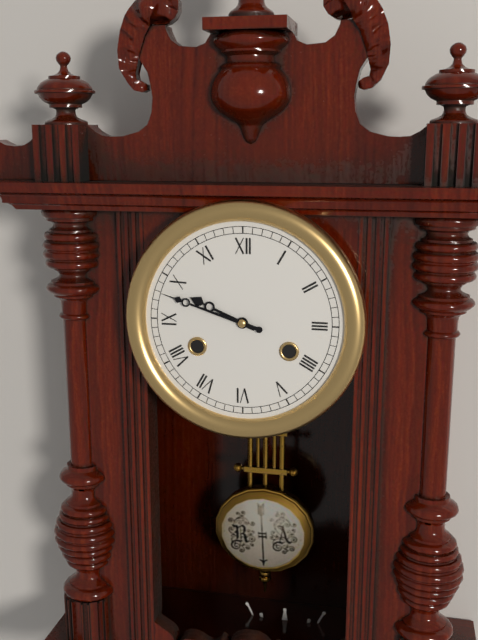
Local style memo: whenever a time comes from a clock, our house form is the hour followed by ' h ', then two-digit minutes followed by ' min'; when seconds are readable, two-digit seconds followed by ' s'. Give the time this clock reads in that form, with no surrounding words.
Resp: 9 h 48 min
